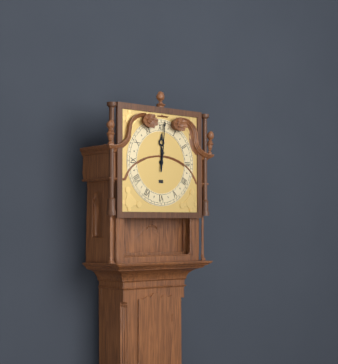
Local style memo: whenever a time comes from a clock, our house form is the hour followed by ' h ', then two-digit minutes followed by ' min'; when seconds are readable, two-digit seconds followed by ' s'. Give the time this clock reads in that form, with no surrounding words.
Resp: 12 h 01 min
